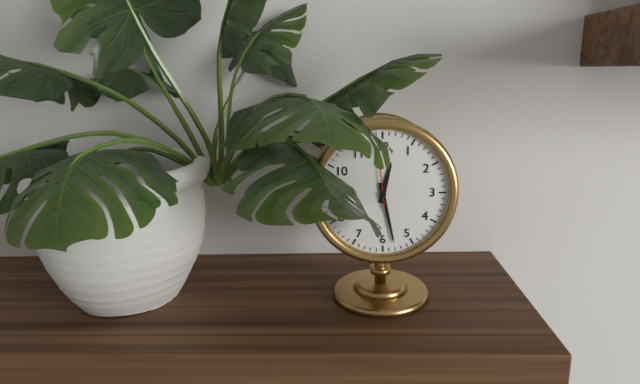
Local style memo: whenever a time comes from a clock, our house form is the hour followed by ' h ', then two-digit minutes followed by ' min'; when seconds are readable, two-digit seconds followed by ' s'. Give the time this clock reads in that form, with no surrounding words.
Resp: 12 h 28 min 59 s
